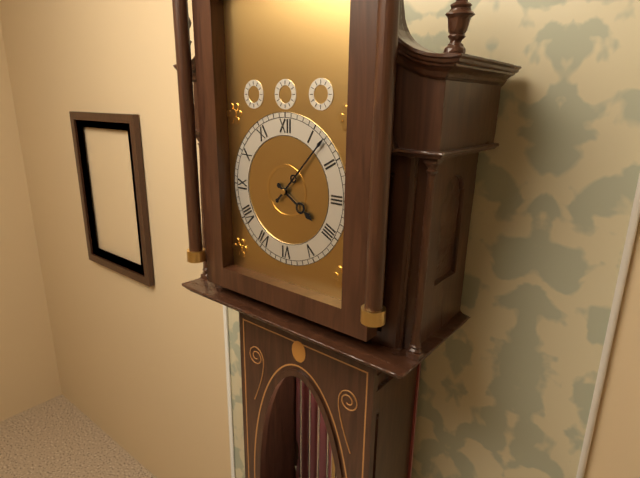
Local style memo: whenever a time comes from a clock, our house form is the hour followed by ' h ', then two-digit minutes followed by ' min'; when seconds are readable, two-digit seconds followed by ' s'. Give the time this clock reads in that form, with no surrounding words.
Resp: 4 h 07 min
